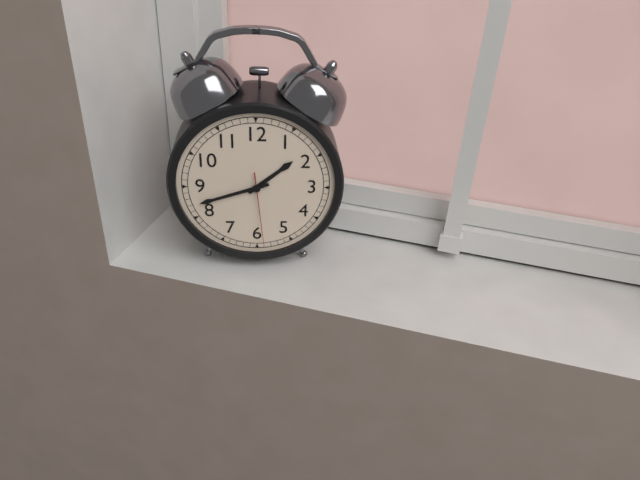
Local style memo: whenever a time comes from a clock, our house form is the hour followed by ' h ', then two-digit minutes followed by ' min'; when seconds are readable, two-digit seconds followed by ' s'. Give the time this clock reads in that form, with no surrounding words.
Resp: 1 h 42 min 29 s
